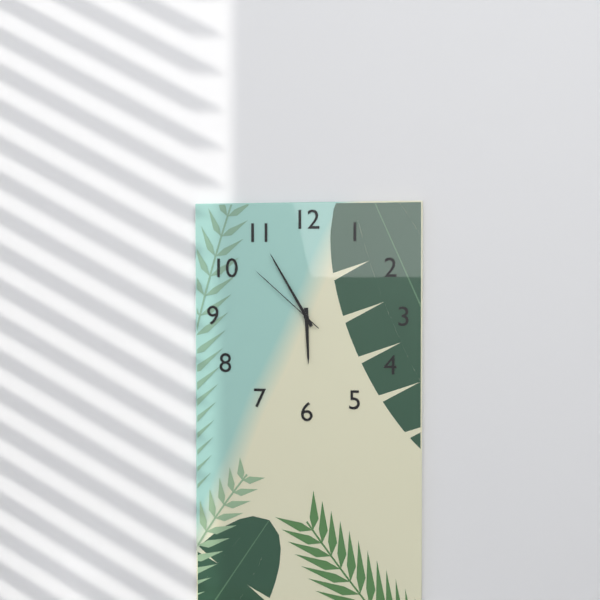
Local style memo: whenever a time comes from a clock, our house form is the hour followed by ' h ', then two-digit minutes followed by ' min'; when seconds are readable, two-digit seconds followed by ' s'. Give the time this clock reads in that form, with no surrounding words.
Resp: 5 h 55 min 52 s
